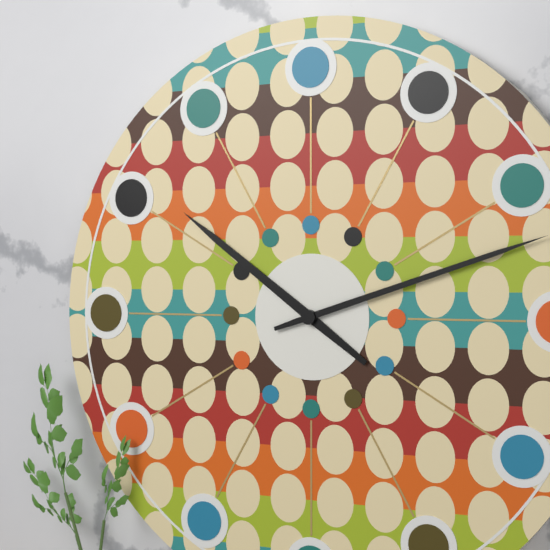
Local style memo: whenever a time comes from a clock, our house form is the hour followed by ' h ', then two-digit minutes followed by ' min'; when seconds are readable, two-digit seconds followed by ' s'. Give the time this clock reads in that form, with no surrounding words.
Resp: 10 h 12 min
